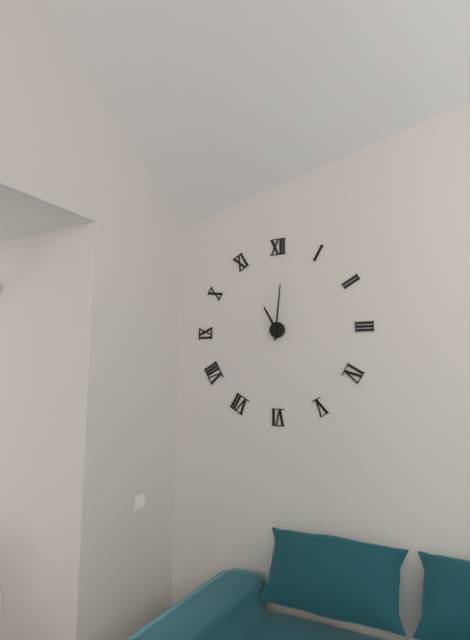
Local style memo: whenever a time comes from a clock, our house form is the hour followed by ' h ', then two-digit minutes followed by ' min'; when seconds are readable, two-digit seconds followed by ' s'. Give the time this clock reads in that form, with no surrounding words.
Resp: 11 h 01 min
